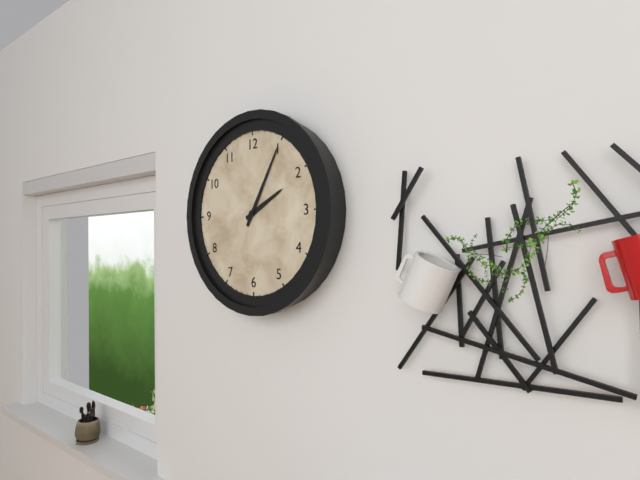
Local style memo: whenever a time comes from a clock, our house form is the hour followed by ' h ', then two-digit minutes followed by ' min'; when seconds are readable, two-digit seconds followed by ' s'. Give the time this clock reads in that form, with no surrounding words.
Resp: 2 h 05 min
